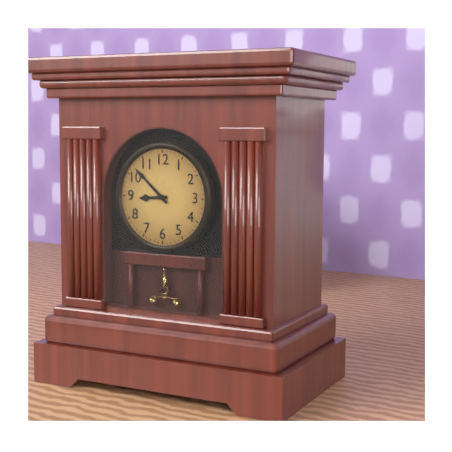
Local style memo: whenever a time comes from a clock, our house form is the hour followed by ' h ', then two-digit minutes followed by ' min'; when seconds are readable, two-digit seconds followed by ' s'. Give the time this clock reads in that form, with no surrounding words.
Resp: 8 h 52 min
